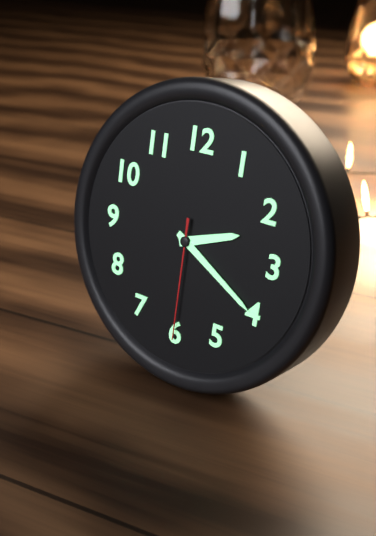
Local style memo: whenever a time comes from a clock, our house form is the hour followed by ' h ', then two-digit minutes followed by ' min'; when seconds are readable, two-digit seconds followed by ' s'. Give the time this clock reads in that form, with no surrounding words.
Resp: 2 h 20 min 30 s
